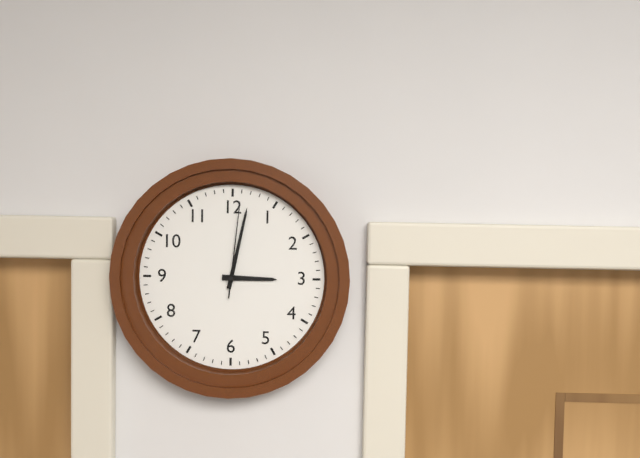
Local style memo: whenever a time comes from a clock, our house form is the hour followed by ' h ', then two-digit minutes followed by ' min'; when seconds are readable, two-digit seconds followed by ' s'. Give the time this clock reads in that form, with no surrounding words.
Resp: 3 h 02 min 01 s
